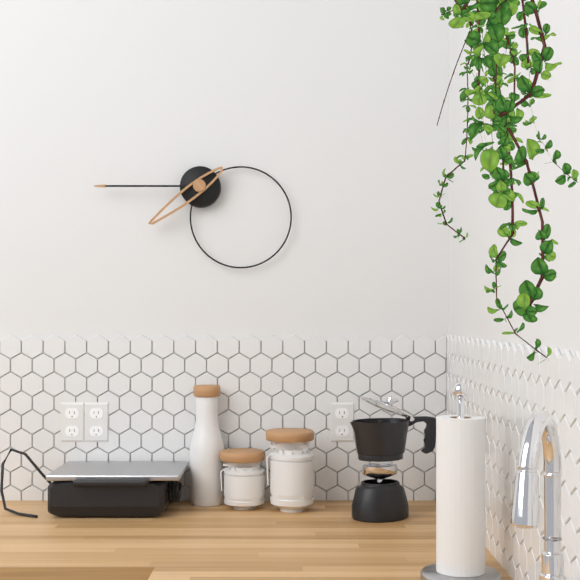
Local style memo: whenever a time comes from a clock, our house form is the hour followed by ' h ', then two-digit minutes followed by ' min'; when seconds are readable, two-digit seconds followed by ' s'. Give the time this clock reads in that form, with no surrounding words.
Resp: 7 h 45 min
